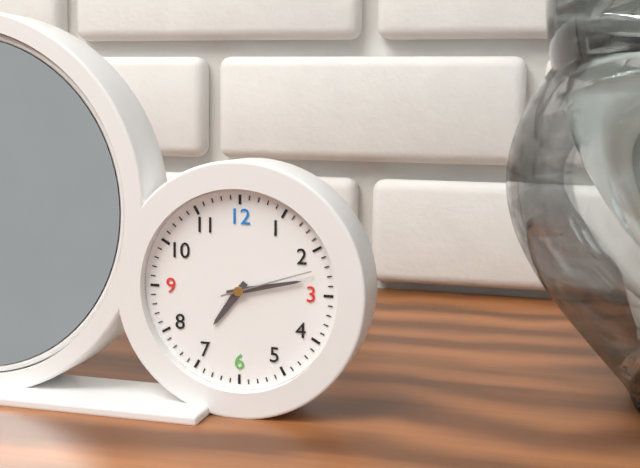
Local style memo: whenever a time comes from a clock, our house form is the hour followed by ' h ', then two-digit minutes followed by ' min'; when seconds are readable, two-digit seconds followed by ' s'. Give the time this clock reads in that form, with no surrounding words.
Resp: 7 h 13 min 12 s
